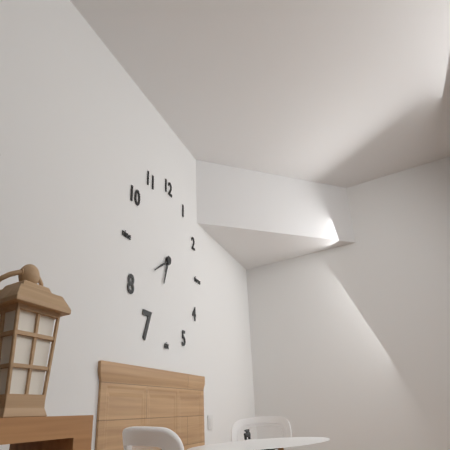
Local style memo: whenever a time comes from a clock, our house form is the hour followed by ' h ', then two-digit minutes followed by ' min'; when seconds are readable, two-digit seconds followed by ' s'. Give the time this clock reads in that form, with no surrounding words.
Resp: 6 h 40 min
